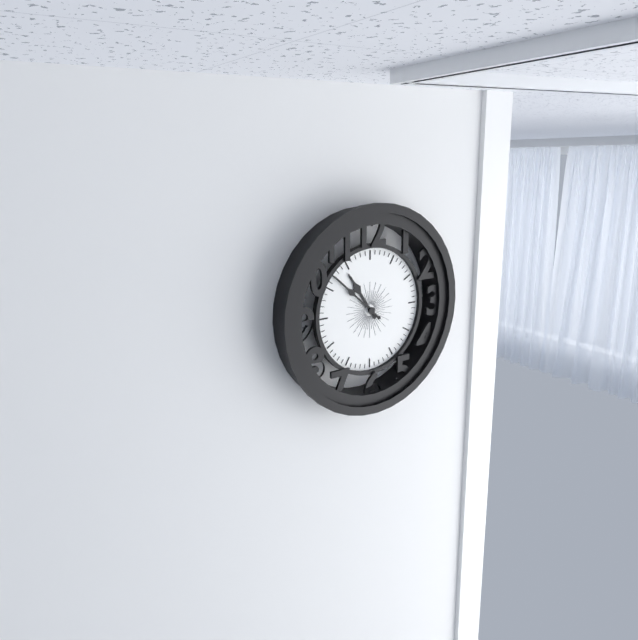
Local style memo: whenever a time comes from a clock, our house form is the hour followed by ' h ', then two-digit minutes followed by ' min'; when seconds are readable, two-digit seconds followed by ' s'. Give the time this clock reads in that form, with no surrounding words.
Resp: 10 h 52 min
